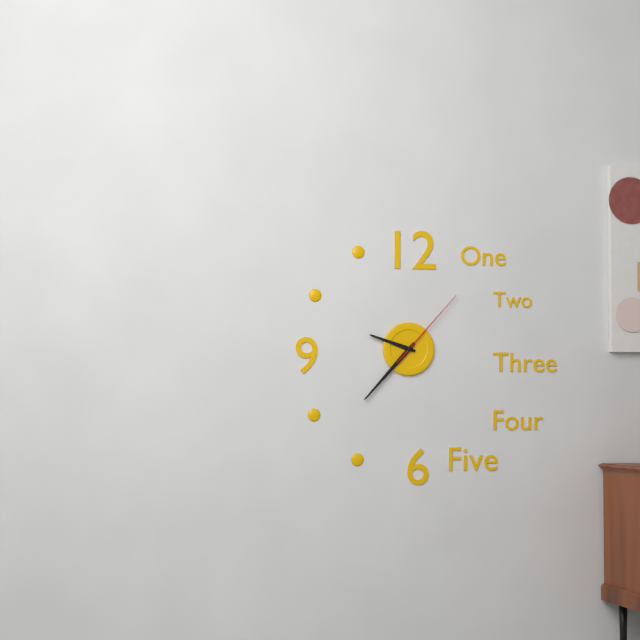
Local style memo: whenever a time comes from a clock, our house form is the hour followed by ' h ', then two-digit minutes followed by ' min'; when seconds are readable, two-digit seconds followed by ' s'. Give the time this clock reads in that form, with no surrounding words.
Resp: 9 h 37 min 07 s
